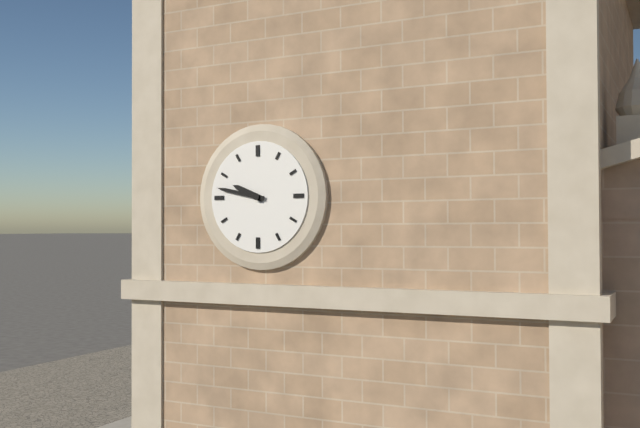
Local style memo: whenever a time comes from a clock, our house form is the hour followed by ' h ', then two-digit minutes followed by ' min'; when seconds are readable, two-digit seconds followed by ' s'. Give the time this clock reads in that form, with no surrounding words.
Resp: 9 h 47 min
